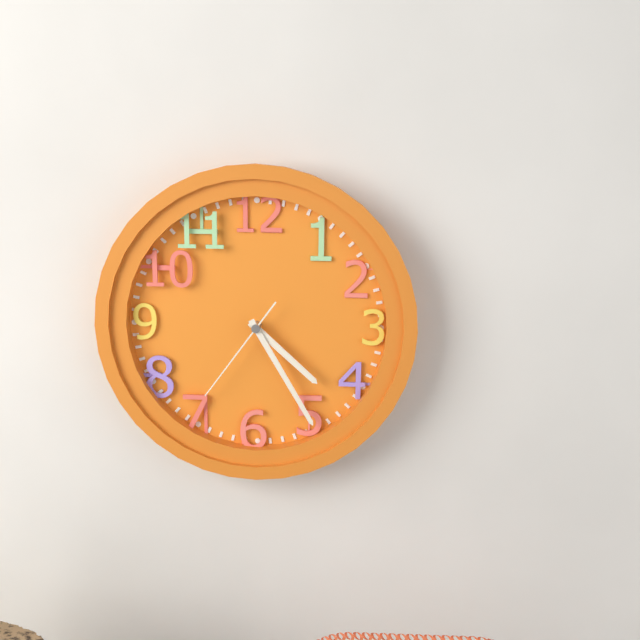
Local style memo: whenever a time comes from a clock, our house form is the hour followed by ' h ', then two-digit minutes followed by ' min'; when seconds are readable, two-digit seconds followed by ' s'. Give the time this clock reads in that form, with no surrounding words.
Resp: 4 h 25 min 36 s
